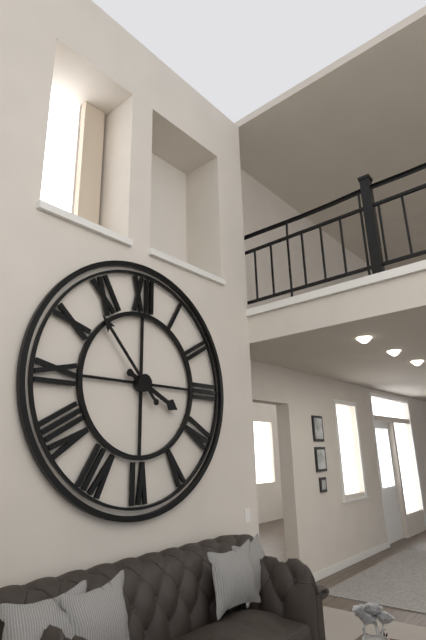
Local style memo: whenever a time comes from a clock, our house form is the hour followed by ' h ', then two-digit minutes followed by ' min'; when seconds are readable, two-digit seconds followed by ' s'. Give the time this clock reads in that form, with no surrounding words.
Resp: 3 h 53 min
